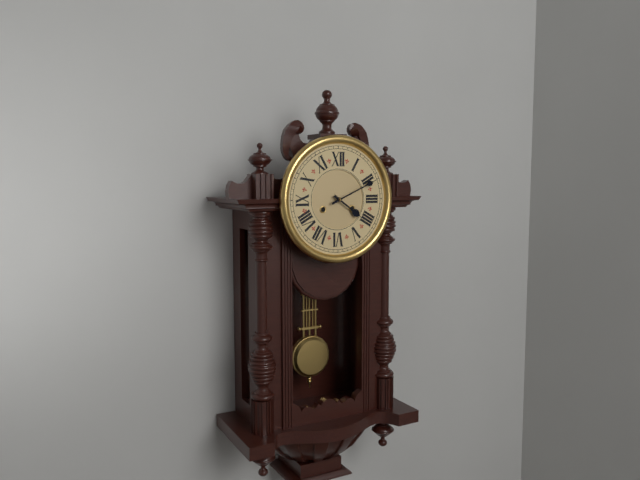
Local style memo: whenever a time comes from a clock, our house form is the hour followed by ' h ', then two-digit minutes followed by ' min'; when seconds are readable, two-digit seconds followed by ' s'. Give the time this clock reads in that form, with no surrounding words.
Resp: 4 h 11 min
